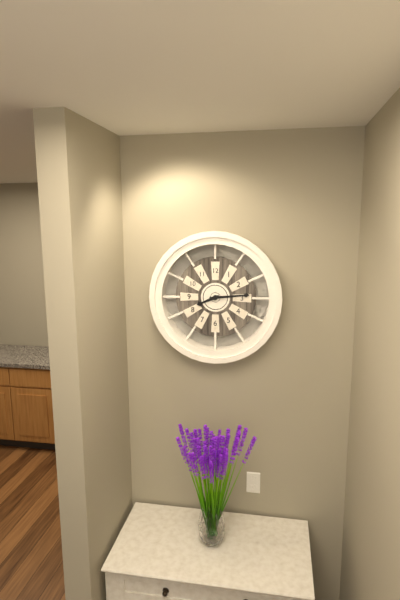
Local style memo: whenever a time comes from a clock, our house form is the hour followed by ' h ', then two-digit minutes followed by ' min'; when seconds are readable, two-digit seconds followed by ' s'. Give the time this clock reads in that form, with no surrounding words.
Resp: 8 h 14 min
